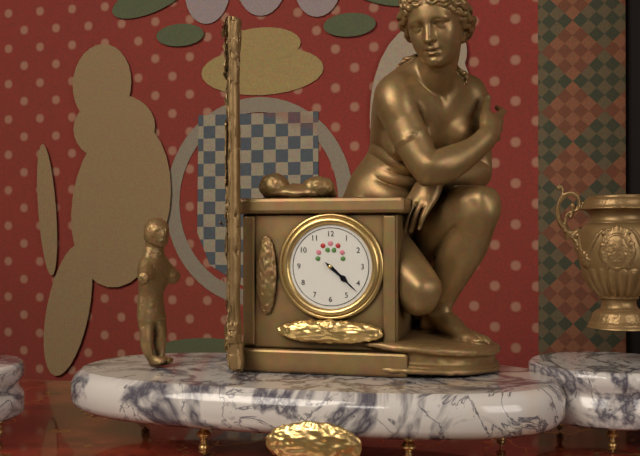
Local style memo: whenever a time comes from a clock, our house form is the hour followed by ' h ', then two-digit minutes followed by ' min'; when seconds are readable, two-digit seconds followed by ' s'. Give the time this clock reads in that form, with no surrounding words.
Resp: 4 h 22 min
